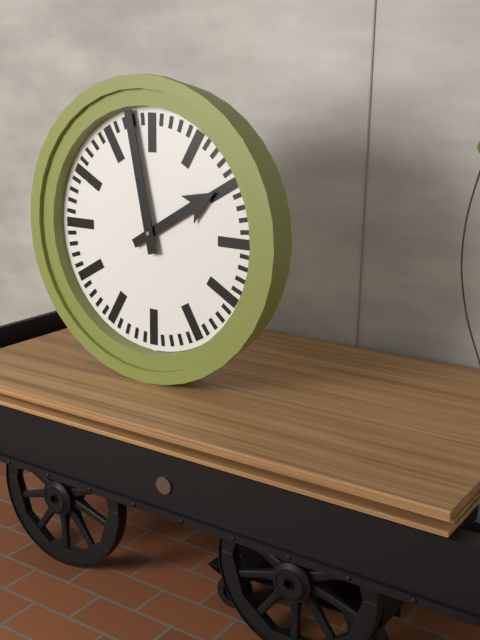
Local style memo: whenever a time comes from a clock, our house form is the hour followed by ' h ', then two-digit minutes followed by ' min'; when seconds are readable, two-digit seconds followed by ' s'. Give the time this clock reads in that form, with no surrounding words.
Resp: 1 h 58 min
